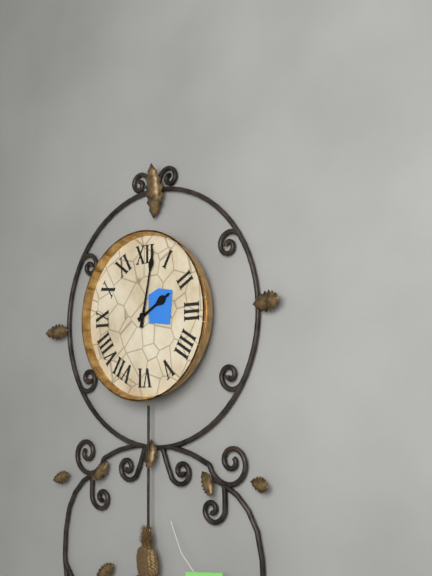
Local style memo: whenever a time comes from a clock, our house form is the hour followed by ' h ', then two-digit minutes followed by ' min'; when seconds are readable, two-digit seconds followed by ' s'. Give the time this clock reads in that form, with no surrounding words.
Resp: 2 h 02 min
